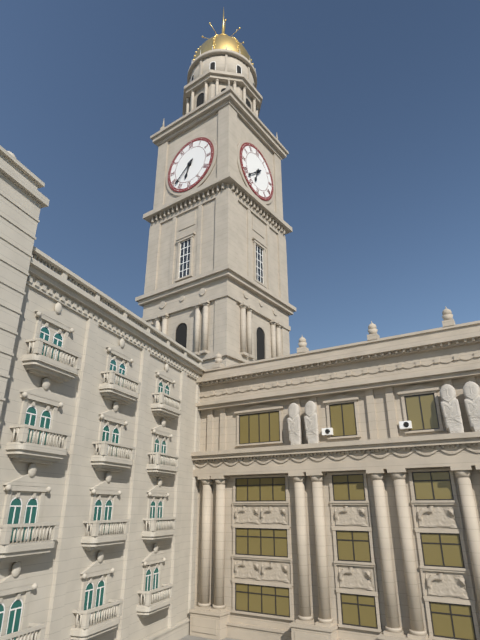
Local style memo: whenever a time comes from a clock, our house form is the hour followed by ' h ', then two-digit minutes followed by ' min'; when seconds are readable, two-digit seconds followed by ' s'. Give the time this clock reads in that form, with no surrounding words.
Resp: 6 h 38 min
